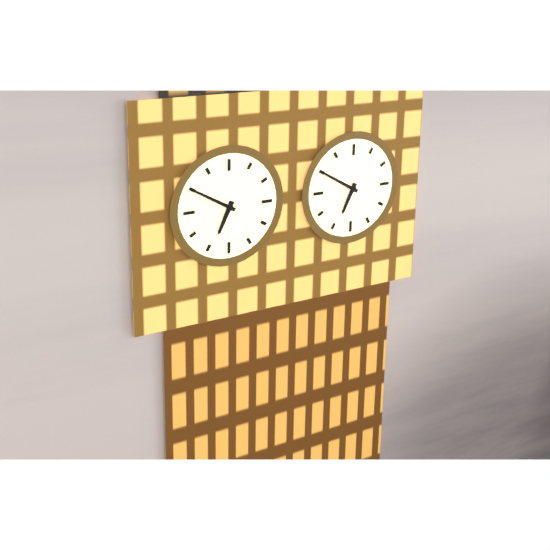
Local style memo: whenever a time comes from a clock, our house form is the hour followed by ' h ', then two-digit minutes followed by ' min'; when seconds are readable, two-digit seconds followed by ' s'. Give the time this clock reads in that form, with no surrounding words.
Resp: 6 h 50 min
